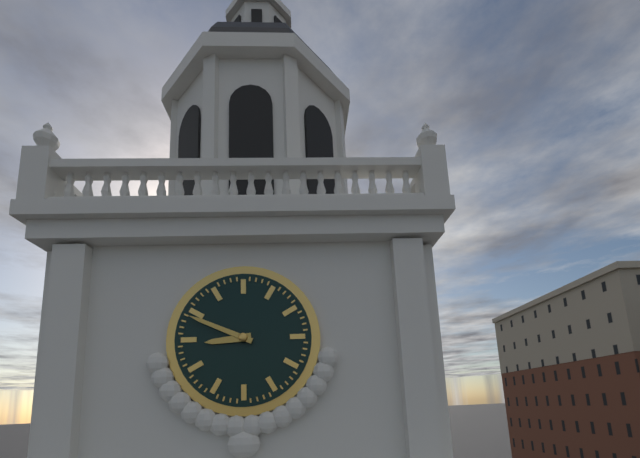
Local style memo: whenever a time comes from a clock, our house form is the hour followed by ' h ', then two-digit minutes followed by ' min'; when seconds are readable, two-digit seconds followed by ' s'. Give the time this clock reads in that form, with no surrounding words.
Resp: 8 h 49 min
